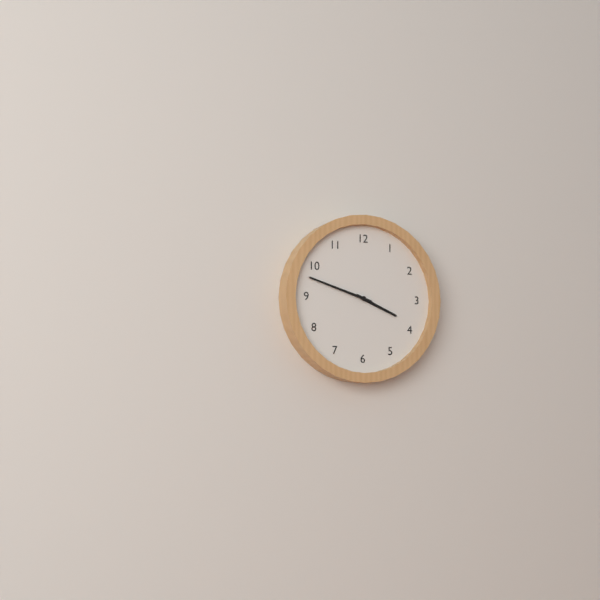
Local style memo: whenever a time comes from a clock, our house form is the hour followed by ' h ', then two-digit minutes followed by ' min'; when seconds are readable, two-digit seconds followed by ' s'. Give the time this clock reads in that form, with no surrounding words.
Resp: 3 h 48 min
